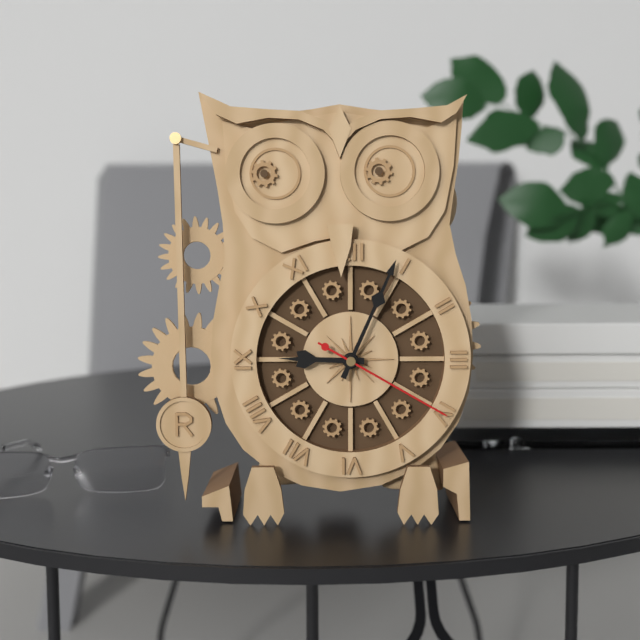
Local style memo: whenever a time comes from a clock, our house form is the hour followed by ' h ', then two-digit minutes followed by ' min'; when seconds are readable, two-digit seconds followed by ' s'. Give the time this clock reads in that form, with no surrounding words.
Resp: 9 h 04 min 20 s
